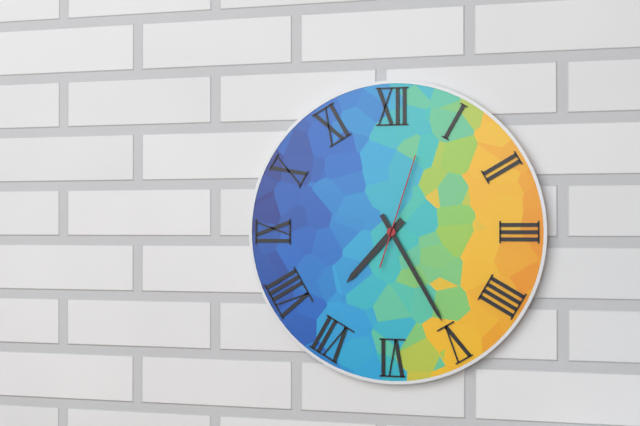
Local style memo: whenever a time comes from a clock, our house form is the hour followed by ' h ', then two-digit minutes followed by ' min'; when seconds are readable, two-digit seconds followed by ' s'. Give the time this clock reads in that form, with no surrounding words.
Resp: 7 h 25 min 03 s
